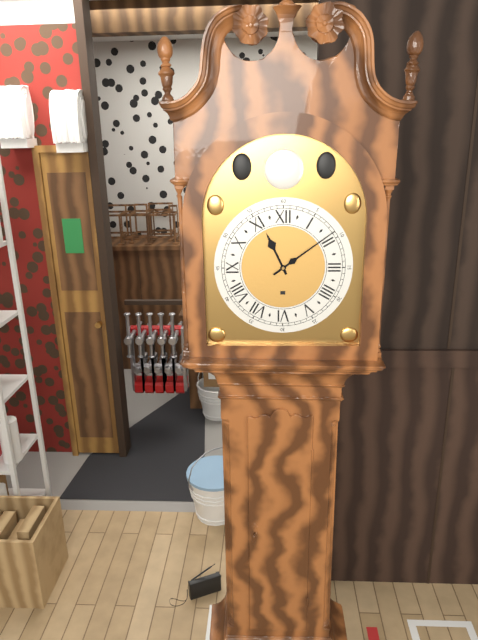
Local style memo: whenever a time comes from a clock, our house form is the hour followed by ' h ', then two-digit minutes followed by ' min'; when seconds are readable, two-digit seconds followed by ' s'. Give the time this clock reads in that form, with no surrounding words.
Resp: 11 h 09 min
